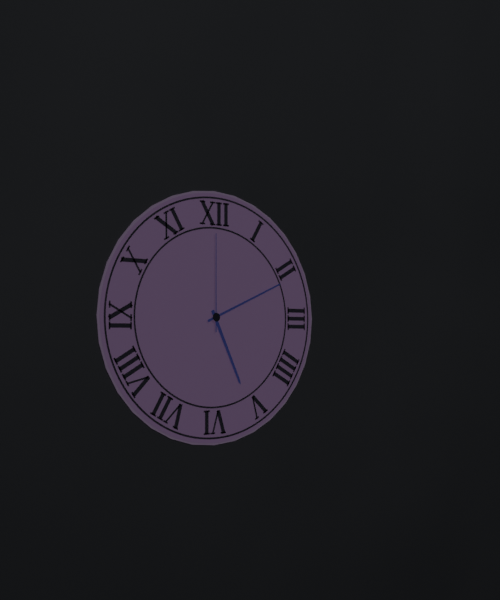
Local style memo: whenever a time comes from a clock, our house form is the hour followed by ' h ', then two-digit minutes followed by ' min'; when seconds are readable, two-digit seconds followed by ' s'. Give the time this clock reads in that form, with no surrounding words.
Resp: 5 h 11 min 00 s
